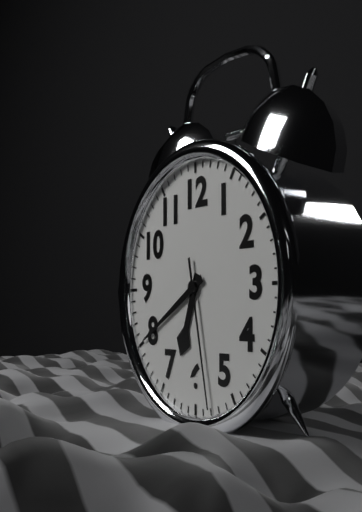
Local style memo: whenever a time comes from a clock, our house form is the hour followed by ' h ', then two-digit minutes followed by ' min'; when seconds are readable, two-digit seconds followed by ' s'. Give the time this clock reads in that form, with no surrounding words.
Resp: 6 h 40 min 28 s
